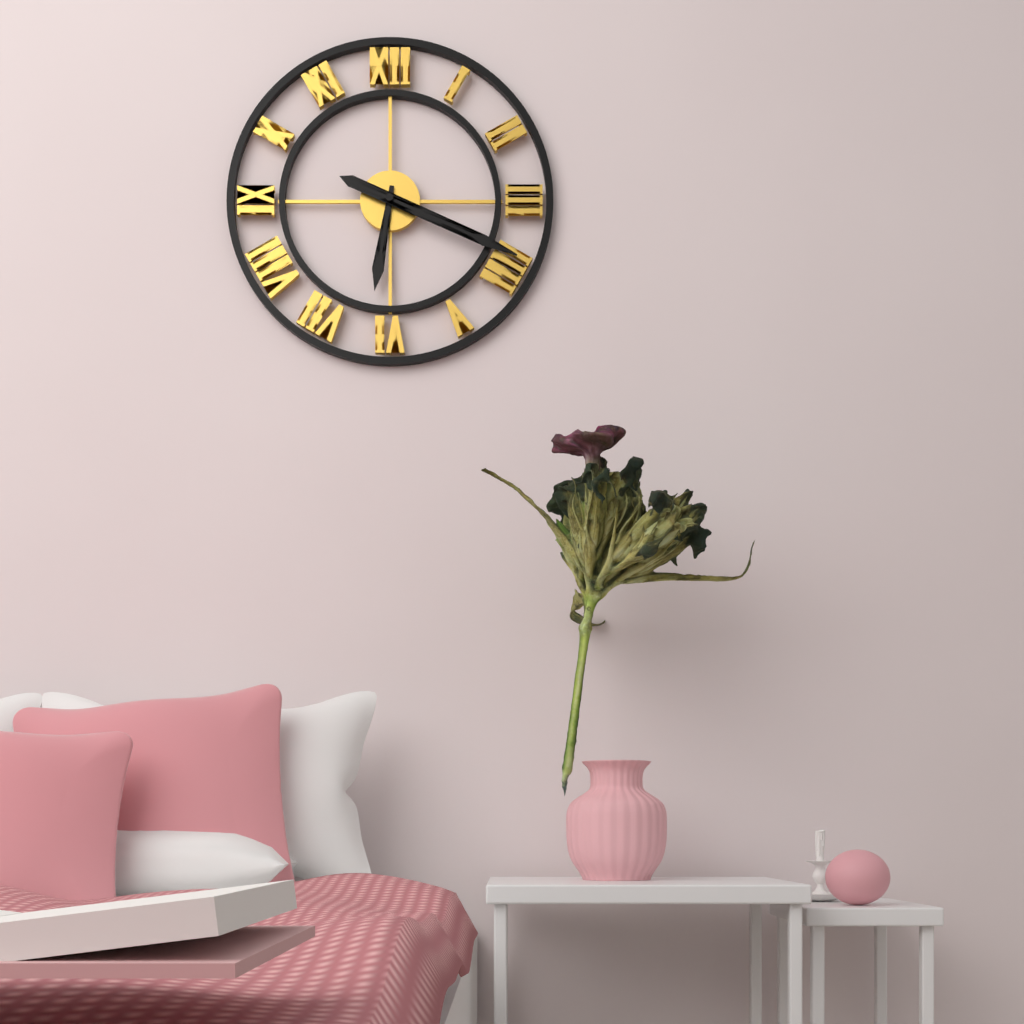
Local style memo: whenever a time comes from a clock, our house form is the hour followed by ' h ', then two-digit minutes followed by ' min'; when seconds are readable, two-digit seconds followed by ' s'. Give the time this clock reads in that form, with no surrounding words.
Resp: 6 h 19 min
